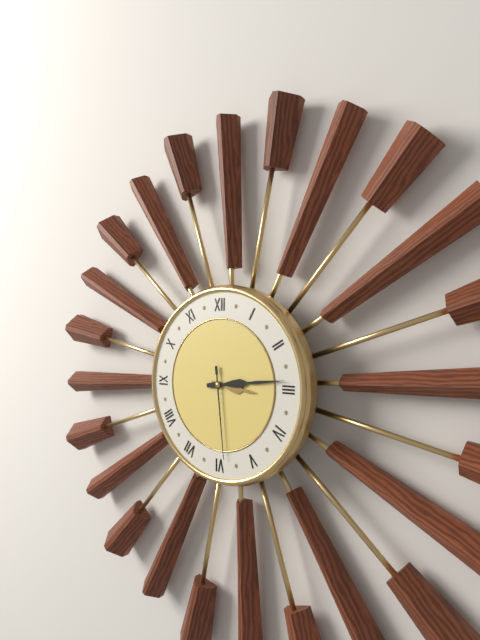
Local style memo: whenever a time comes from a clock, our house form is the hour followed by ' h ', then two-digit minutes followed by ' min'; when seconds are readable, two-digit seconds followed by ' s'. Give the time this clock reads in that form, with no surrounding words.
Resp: 3 h 14 min 29 s
